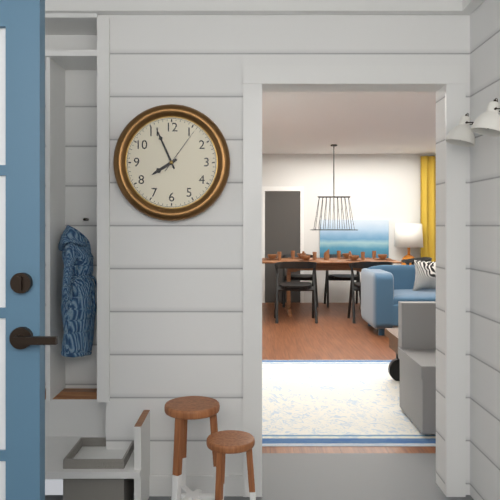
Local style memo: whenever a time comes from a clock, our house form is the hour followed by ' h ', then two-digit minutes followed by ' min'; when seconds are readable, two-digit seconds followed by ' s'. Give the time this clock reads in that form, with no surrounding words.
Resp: 7 h 56 min 06 s
